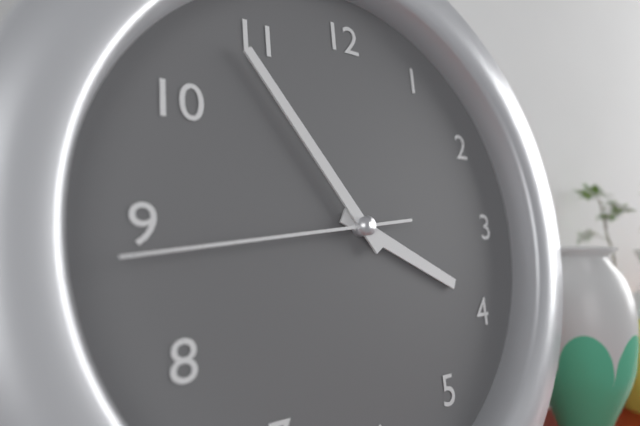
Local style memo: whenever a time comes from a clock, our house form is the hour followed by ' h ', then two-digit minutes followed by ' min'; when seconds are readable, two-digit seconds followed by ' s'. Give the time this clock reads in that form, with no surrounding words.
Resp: 3 h 54 min 44 s
